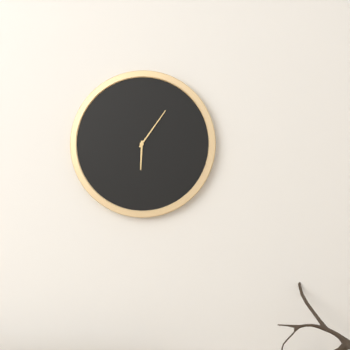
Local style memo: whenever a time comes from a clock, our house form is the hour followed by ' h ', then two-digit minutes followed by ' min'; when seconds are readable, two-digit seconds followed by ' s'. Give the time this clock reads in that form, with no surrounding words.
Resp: 6 h 06 min
